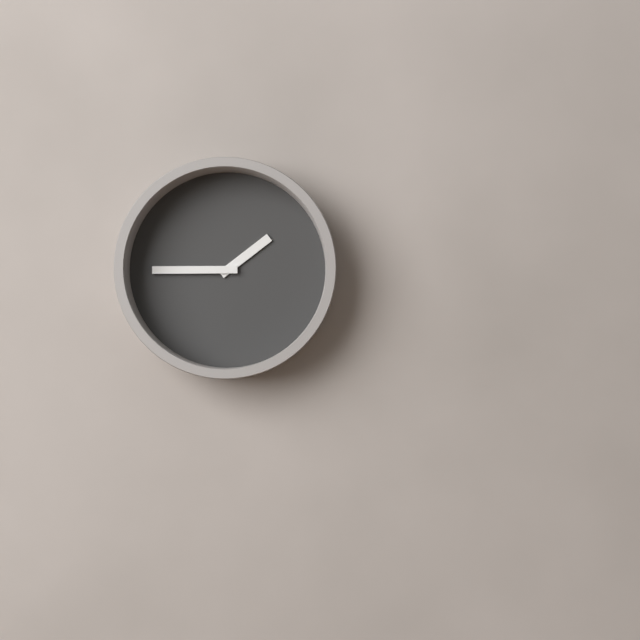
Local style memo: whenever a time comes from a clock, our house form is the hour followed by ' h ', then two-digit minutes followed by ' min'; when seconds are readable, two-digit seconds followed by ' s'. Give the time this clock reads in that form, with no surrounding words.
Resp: 1 h 45 min
